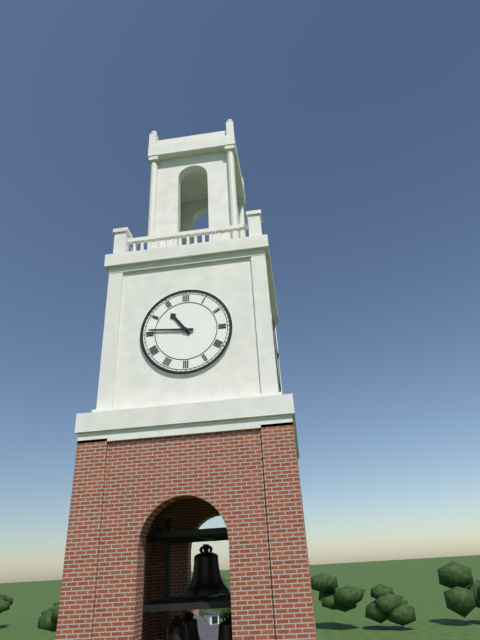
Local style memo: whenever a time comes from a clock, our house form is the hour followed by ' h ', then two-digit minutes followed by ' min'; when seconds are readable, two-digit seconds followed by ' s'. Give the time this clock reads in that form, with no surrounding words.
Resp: 10 h 46 min
